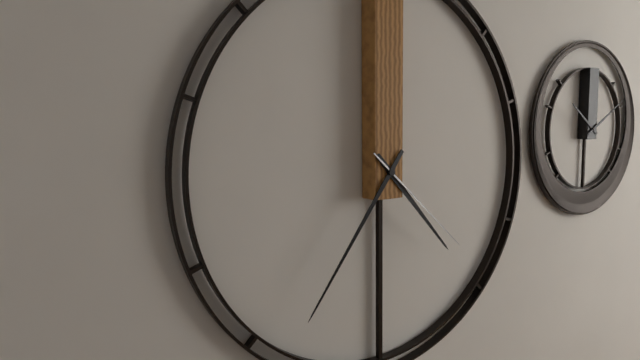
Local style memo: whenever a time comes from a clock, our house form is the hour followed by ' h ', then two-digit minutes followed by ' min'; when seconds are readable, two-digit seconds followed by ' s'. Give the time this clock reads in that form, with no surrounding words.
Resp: 4 h 36 min 22 s
